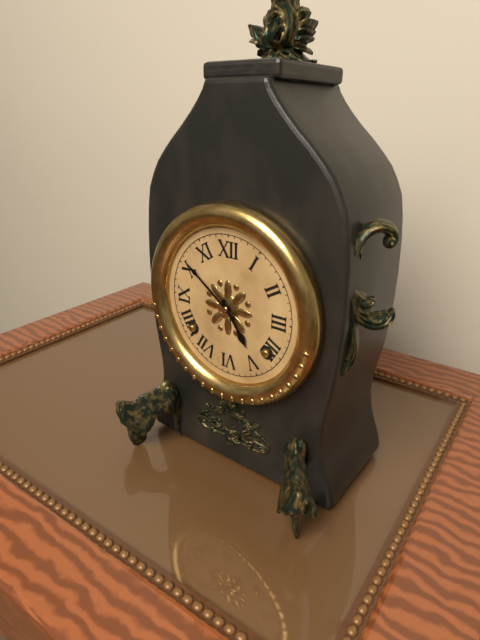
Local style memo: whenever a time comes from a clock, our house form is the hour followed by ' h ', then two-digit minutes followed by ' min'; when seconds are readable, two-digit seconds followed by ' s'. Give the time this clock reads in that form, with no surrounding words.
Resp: 4 h 51 min
